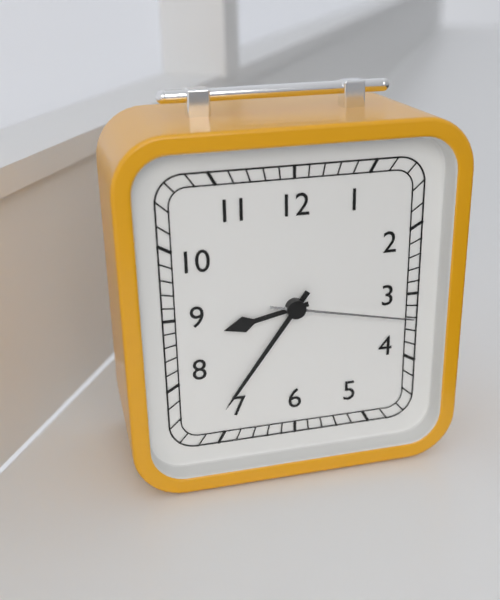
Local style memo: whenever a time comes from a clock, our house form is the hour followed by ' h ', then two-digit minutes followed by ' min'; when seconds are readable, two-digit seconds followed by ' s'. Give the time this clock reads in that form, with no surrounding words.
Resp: 8 h 36 min 17 s
